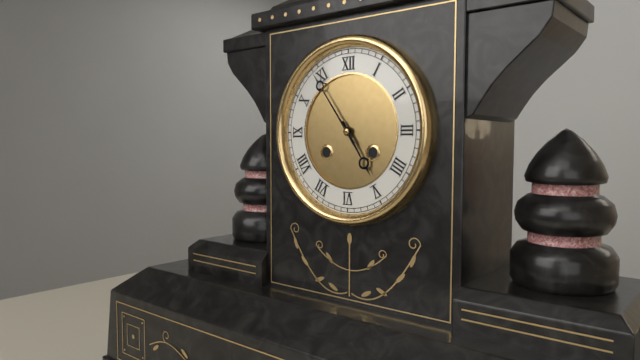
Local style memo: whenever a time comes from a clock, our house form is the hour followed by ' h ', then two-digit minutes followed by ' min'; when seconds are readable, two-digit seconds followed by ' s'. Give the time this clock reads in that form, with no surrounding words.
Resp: 4 h 54 min
